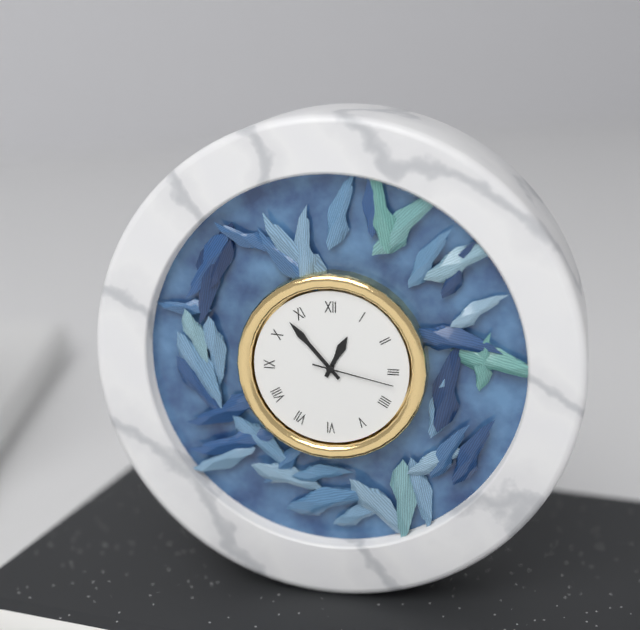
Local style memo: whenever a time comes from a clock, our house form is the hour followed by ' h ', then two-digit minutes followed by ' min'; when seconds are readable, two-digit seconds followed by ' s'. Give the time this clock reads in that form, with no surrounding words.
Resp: 12 h 53 min 17 s
